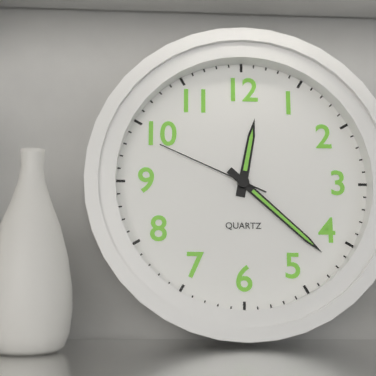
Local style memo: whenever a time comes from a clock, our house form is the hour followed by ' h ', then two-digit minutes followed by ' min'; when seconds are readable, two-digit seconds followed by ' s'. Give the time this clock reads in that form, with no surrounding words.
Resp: 12 h 22 min 49 s
